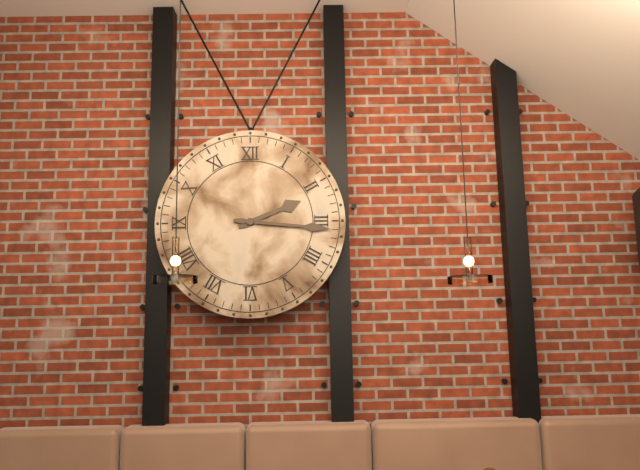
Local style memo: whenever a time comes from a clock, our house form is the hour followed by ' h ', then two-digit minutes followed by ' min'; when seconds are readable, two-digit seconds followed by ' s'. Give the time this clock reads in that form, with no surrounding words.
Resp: 2 h 16 min
